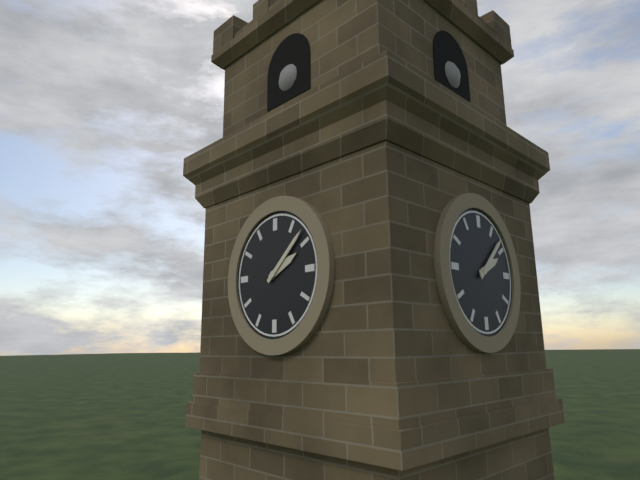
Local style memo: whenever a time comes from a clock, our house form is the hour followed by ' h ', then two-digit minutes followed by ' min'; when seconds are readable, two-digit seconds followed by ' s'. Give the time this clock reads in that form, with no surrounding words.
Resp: 2 h 08 min
